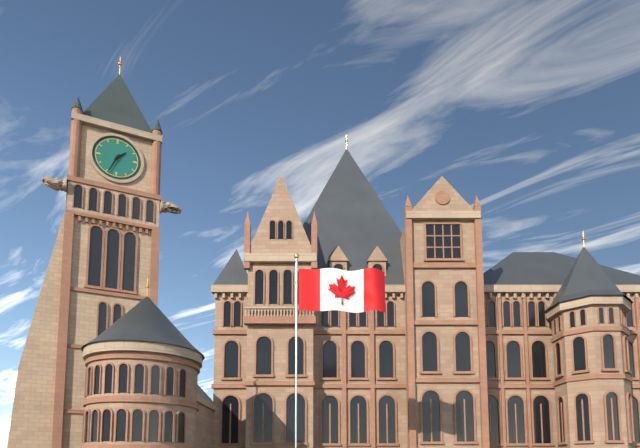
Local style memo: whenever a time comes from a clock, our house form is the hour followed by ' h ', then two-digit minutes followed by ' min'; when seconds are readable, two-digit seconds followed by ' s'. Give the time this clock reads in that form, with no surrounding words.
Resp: 1 h 34 min
